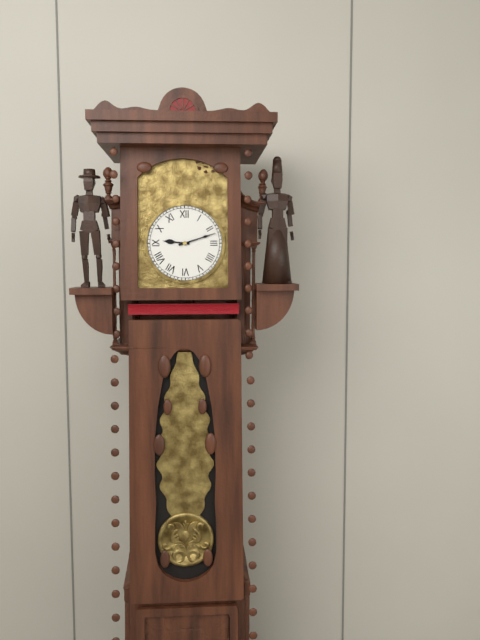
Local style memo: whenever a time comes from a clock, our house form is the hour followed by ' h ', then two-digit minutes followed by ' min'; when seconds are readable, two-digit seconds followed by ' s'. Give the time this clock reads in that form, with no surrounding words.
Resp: 9 h 12 min
